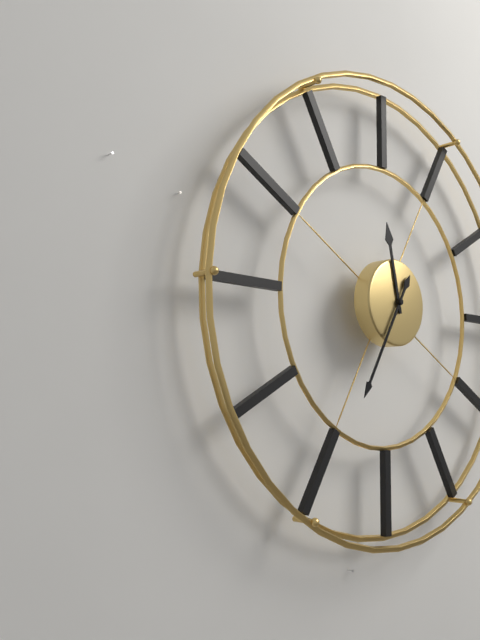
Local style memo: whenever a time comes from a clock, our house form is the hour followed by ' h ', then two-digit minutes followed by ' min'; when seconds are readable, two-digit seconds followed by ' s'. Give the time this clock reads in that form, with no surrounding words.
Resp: 11 h 35 min
